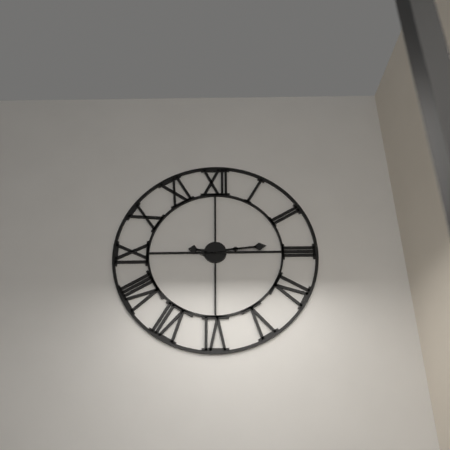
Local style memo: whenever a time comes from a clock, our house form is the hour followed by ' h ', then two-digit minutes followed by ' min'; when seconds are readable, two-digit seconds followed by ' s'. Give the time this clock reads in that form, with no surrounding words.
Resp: 9 h 14 min
